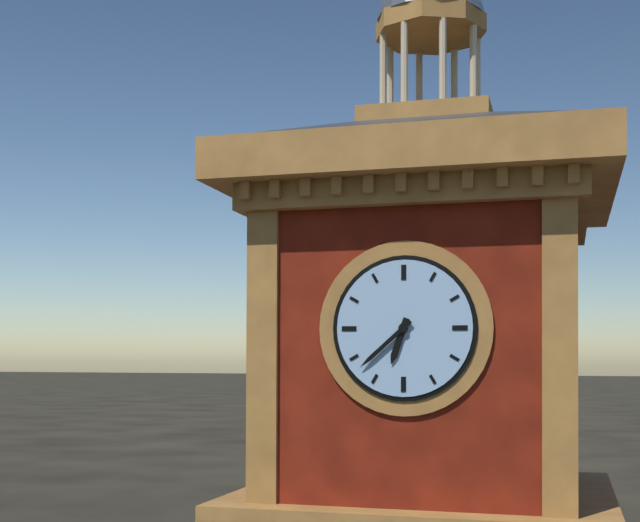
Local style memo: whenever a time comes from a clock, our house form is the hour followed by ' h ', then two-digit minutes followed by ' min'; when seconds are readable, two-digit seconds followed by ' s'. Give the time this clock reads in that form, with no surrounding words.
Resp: 6 h 38 min
